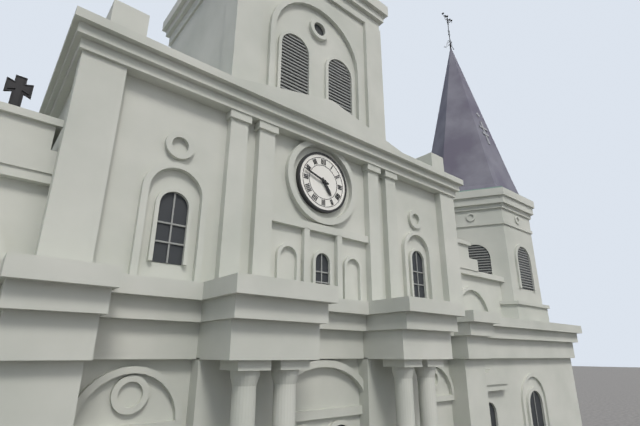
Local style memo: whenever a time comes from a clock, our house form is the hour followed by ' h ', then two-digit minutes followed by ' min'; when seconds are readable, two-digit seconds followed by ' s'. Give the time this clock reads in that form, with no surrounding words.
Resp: 4 h 48 min
